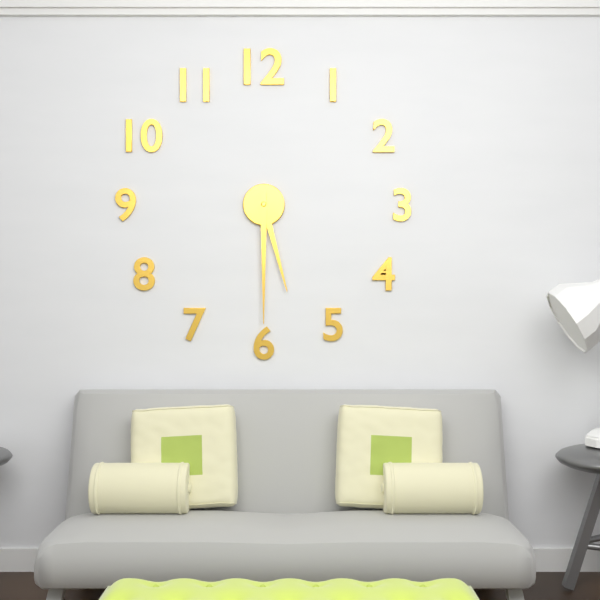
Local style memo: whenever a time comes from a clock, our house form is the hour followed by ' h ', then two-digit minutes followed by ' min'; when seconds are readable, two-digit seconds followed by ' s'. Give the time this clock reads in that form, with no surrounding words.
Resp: 5 h 30 min
